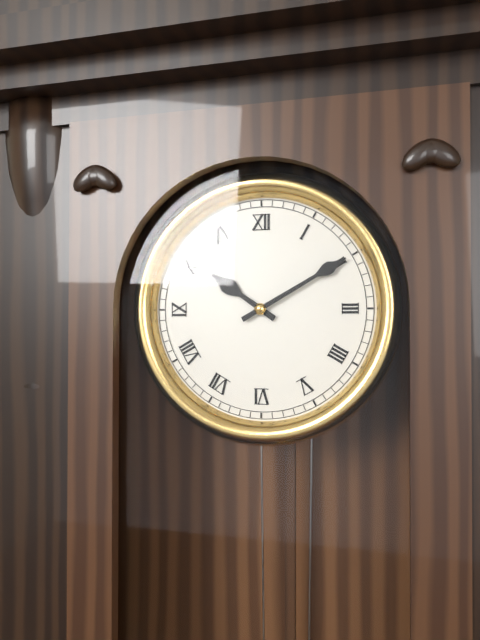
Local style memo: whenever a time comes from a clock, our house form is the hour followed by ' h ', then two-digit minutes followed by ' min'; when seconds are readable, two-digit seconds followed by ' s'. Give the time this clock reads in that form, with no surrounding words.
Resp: 10 h 10 min
